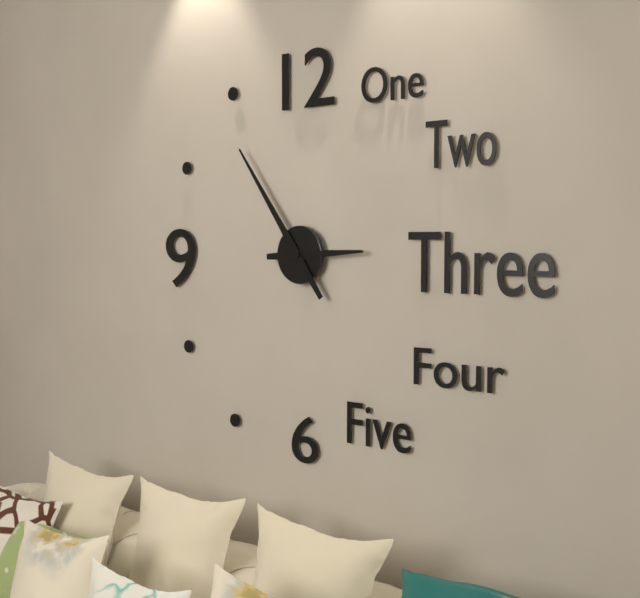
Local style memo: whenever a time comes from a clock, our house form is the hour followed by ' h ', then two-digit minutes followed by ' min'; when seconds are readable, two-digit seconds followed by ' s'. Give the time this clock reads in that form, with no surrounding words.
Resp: 2 h 54 min
